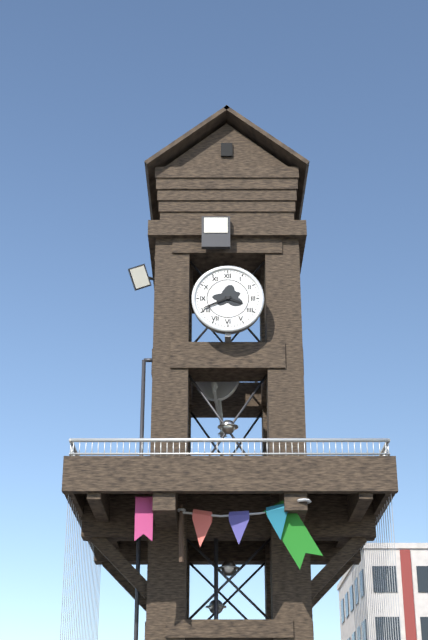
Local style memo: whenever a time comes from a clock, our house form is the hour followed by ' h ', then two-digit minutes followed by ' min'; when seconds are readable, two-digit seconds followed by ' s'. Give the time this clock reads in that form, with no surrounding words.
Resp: 3 h 41 min
